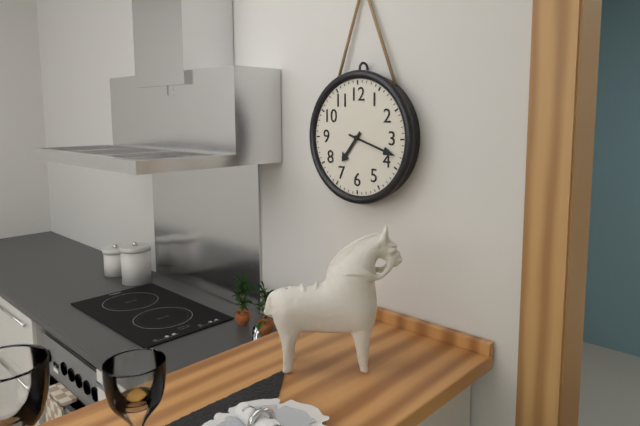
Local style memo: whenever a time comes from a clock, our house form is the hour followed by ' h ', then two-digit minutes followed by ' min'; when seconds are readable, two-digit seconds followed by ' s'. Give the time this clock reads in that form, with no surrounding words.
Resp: 7 h 18 min
